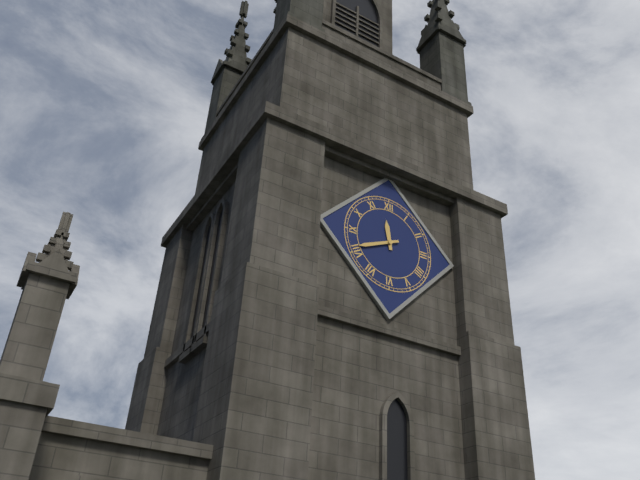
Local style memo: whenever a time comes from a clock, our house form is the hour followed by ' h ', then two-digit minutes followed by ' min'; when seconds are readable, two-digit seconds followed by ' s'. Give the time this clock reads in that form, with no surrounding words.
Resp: 11 h 41 min
